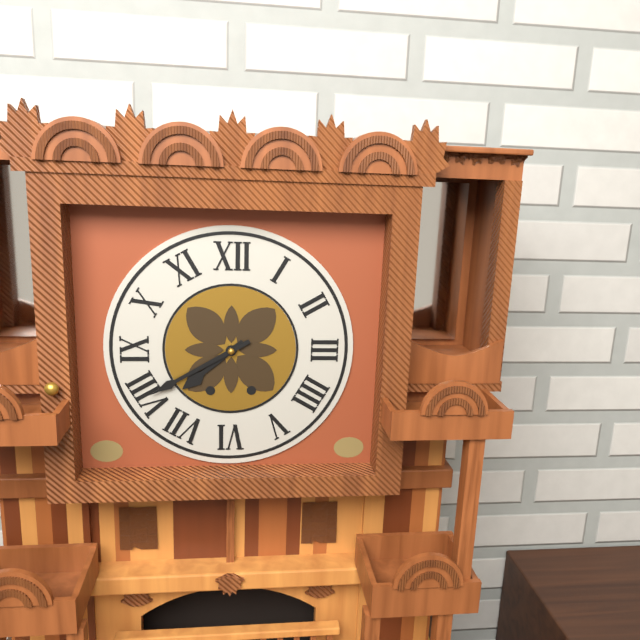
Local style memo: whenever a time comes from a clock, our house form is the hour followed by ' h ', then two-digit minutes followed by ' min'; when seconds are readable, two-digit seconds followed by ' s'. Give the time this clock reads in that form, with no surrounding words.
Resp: 7 h 40 min
